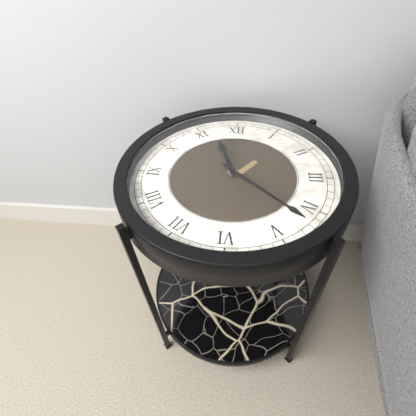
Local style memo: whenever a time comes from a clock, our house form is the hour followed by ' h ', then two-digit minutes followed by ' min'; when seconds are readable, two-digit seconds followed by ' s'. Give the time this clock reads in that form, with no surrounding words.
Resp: 11 h 22 min
